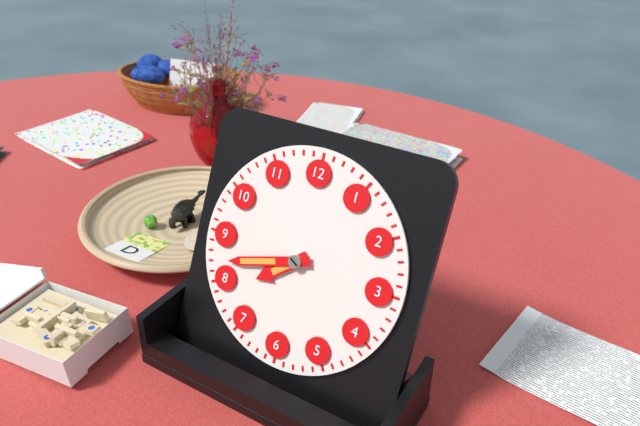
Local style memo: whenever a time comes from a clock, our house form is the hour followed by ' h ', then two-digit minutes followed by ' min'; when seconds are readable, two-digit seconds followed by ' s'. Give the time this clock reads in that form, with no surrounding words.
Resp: 7 h 42 min
